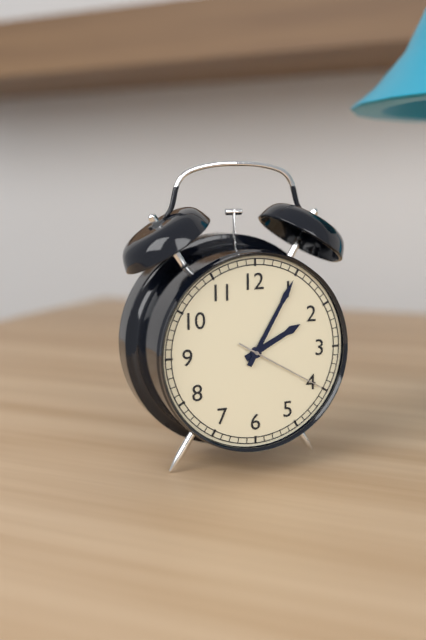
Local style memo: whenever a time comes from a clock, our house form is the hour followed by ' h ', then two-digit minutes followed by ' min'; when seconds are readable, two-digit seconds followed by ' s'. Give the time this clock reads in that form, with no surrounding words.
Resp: 2 h 05 min 20 s
